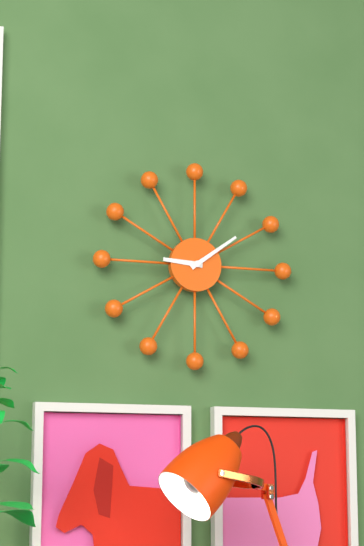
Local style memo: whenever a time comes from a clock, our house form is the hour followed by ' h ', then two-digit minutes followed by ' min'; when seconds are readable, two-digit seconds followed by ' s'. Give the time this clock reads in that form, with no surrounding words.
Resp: 9 h 09 min
